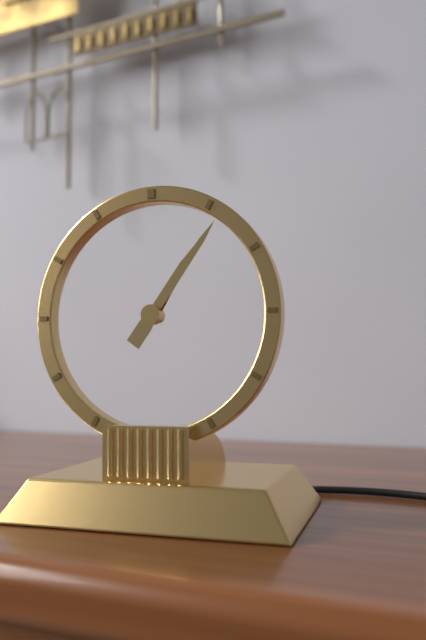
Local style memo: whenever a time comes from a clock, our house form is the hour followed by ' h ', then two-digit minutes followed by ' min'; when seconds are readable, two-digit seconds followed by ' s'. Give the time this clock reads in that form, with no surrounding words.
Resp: 1 h 06 min
